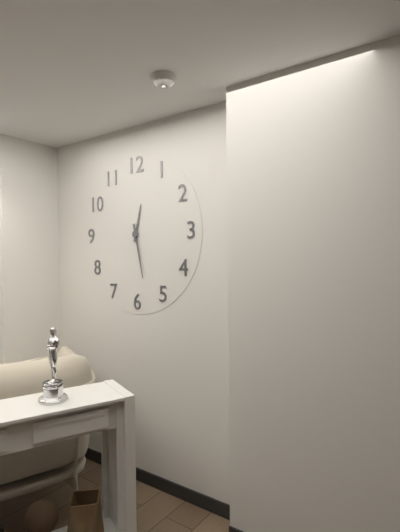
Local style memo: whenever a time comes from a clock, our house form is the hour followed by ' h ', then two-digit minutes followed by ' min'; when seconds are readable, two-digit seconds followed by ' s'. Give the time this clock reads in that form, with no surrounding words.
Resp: 12 h 28 min
